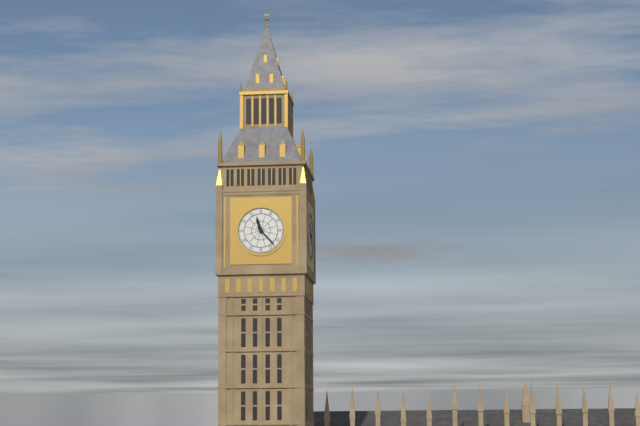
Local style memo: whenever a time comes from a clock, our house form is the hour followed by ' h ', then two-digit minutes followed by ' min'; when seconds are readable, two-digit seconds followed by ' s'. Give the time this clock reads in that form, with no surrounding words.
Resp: 11 h 23 min
